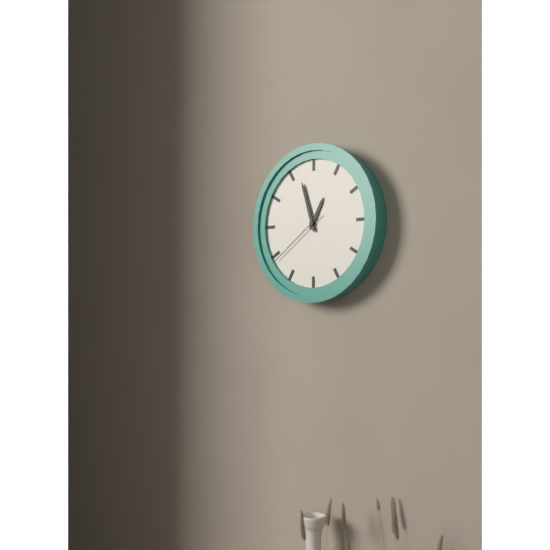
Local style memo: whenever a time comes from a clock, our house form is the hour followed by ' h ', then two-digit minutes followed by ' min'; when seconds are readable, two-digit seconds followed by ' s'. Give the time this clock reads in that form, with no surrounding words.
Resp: 12 h 57 min 39 s
